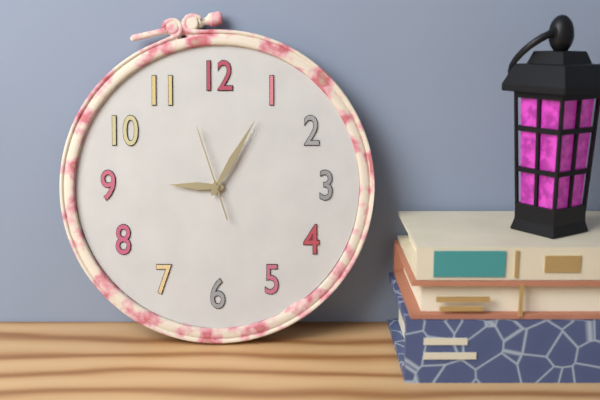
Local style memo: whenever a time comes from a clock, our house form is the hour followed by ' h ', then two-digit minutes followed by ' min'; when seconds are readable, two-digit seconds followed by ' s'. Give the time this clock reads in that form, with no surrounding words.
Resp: 9 h 05 min 57 s
